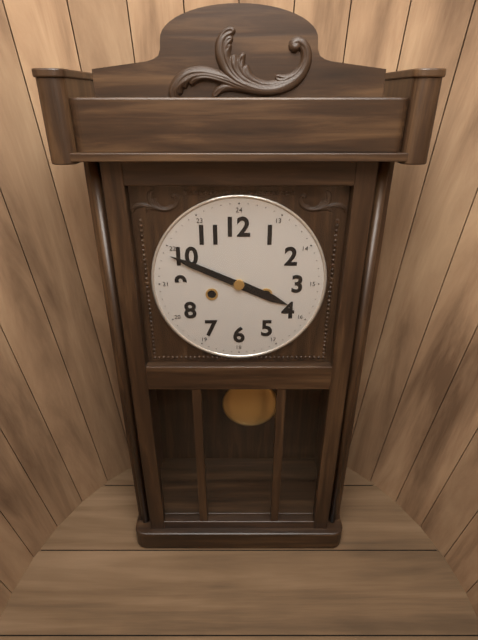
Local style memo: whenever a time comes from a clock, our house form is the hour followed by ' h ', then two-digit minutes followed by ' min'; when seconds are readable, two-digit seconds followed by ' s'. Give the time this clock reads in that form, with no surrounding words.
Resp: 3 h 49 min
